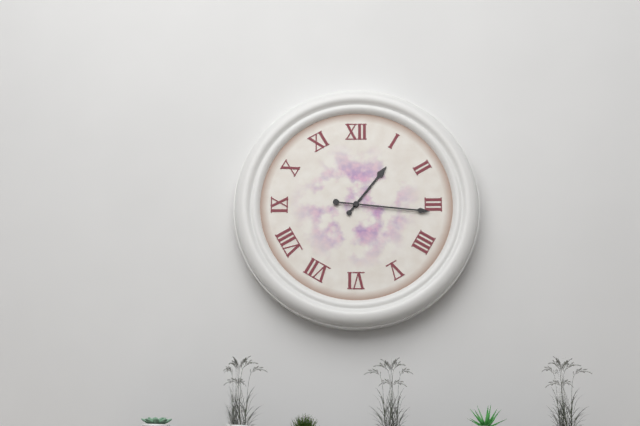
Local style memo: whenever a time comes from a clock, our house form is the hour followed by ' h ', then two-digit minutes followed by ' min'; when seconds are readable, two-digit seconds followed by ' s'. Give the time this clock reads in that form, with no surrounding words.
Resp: 1 h 16 min
